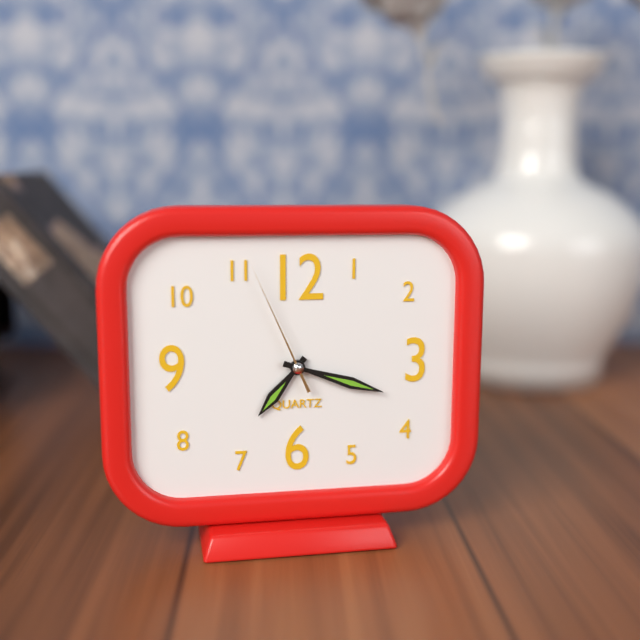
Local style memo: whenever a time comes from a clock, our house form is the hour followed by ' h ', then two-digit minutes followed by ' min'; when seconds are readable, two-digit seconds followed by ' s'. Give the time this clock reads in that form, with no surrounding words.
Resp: 7 h 18 min 56 s
